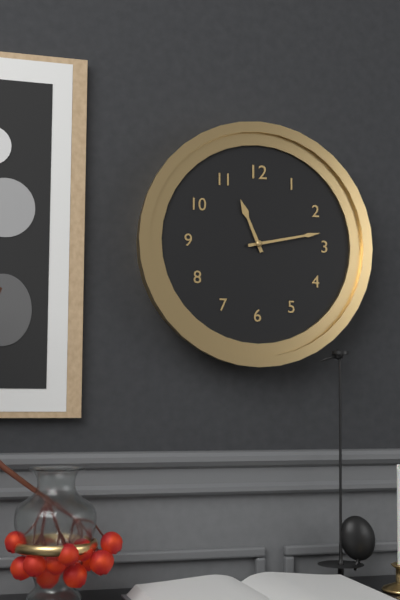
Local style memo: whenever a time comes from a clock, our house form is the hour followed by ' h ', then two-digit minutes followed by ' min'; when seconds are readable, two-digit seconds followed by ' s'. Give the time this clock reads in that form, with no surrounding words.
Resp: 11 h 13 min
